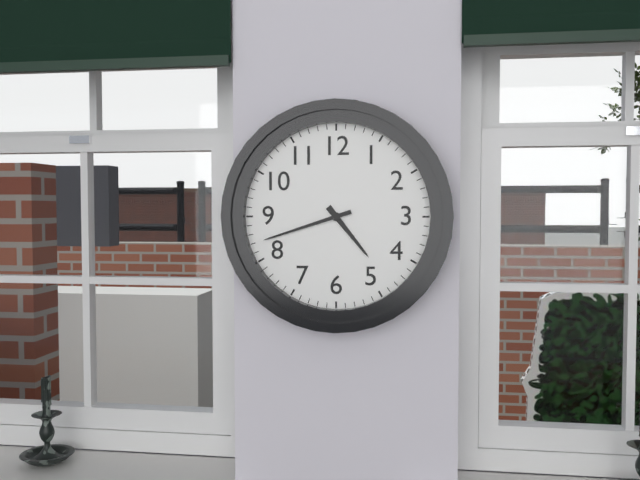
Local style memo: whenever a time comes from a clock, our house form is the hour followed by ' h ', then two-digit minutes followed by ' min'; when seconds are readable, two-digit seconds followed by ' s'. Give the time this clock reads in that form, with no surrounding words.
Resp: 4 h 42 min
